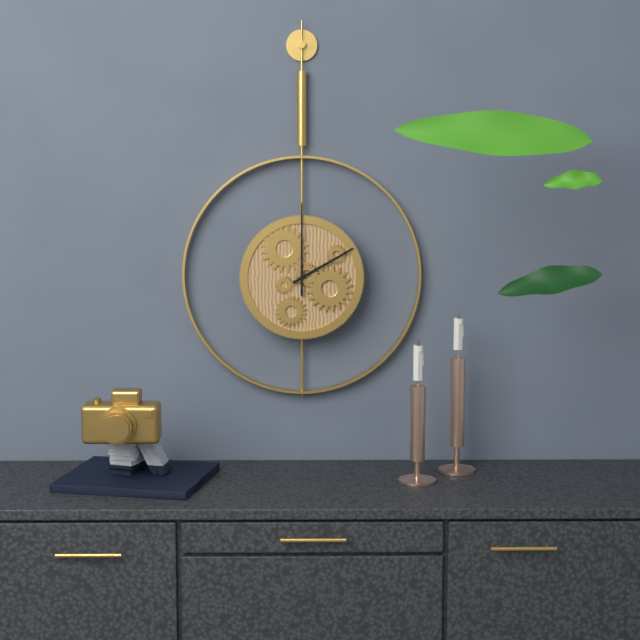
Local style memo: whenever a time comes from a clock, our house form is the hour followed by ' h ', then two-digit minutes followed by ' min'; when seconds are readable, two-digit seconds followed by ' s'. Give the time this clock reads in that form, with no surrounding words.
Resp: 2 h 00 min
